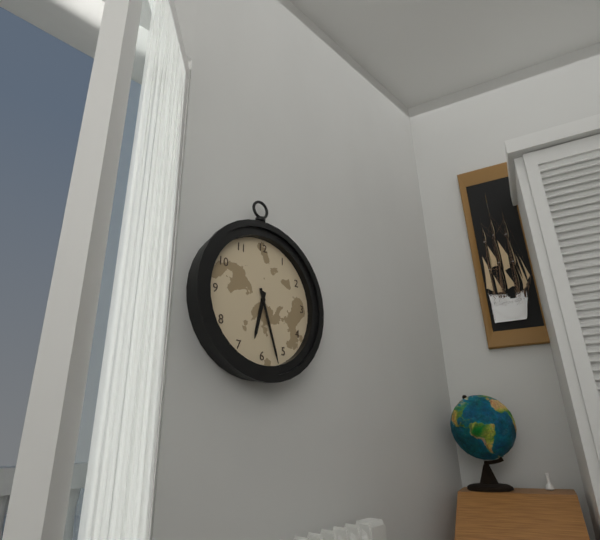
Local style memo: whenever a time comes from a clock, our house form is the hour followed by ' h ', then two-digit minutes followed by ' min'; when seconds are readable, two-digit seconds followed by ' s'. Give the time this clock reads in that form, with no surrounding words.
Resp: 6 h 27 min
